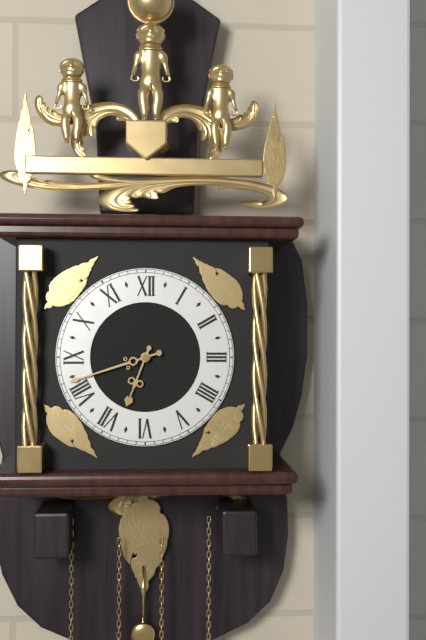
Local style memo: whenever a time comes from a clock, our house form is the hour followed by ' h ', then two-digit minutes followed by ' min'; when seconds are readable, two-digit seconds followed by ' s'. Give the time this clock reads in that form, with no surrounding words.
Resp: 6 h 42 min
